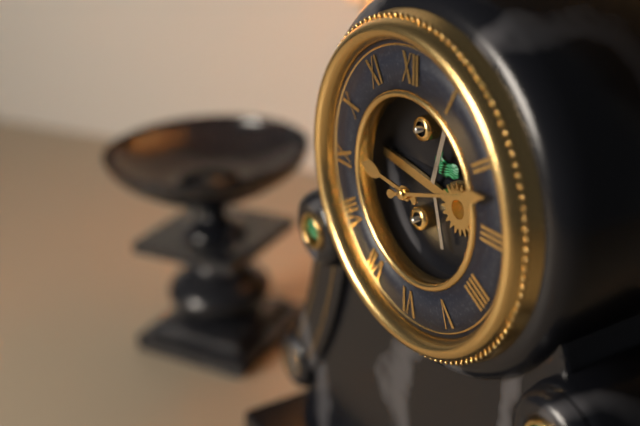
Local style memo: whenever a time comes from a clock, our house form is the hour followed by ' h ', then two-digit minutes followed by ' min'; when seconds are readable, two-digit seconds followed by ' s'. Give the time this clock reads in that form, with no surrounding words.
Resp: 9 h 12 min
